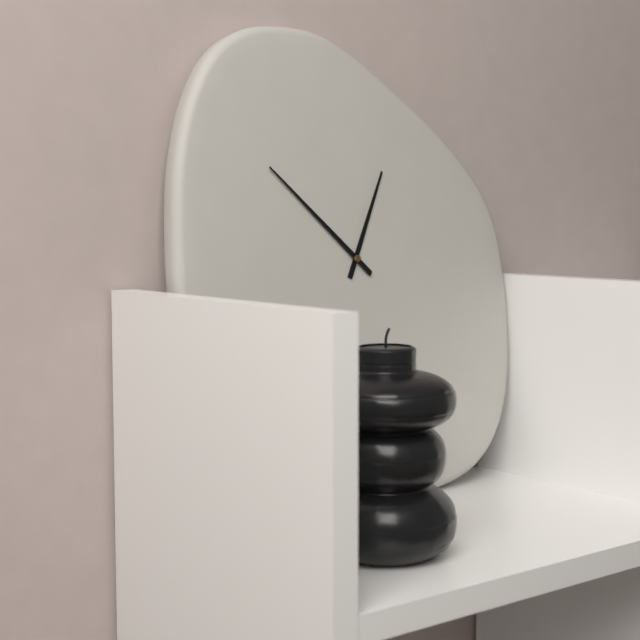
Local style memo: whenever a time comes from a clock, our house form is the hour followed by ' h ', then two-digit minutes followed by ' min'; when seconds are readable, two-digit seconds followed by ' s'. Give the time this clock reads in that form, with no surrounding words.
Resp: 12 h 52 min
